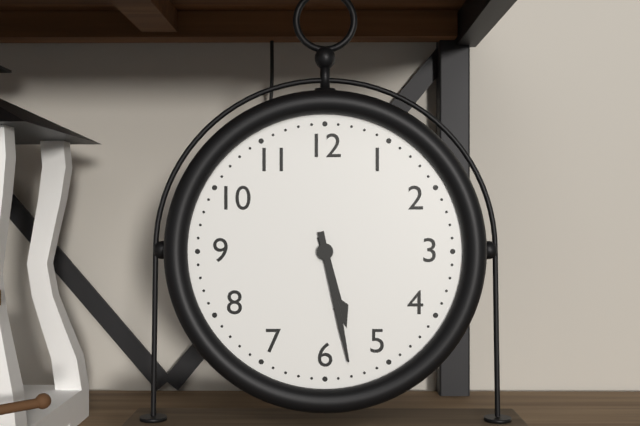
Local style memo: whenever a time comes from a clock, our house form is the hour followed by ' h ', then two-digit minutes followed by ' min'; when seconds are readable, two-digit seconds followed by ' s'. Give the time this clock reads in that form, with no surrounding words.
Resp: 5 h 28 min
